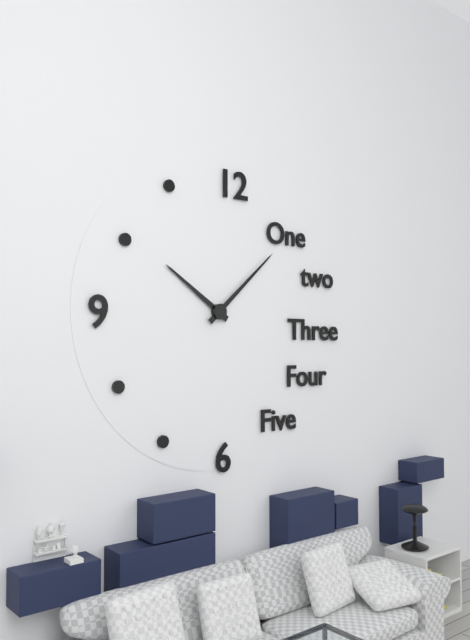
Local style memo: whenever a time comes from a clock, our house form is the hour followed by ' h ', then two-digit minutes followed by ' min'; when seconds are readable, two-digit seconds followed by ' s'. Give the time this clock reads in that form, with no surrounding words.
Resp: 10 h 08 min
